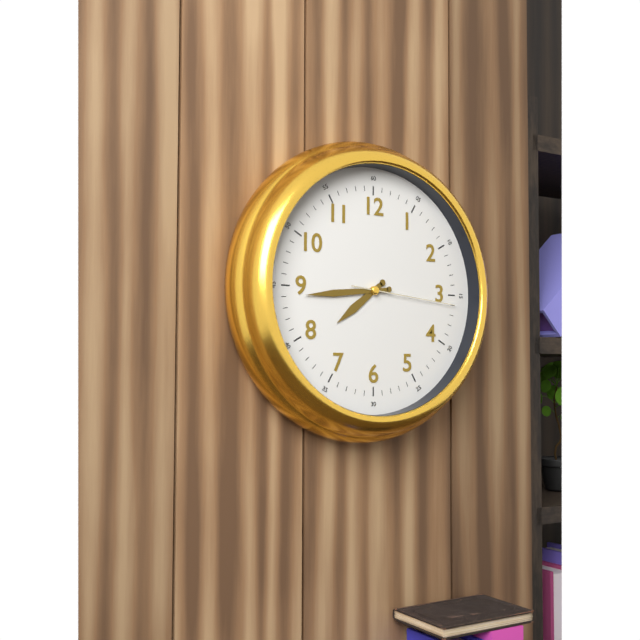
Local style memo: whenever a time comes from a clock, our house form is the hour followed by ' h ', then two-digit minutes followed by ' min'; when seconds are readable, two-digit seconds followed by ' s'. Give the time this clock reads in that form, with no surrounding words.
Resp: 7 h 44 min 16 s
